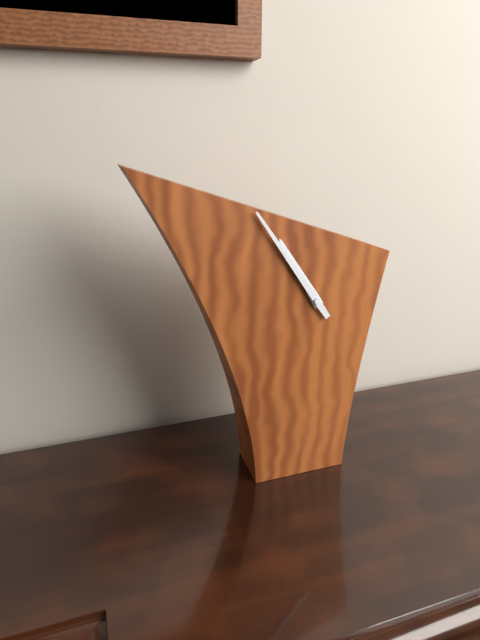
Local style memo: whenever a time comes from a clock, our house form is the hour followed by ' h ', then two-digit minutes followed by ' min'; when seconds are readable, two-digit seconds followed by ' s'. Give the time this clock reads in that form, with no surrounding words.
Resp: 10 h 54 min
